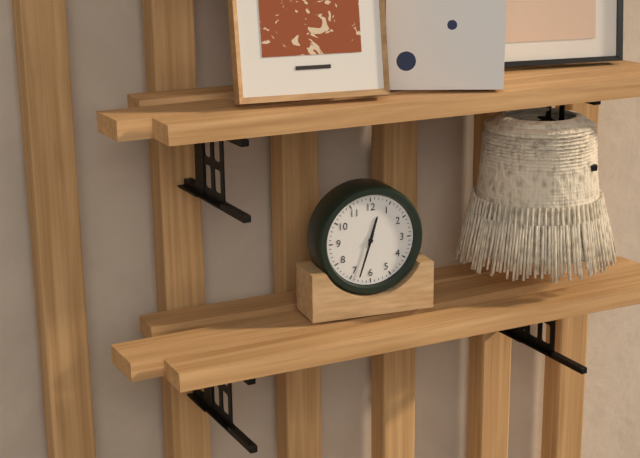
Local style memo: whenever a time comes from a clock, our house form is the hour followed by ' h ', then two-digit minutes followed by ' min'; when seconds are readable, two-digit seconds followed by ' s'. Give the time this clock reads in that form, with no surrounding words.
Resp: 12 h 33 min
